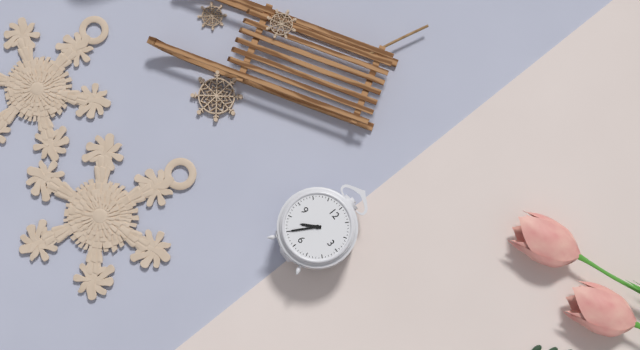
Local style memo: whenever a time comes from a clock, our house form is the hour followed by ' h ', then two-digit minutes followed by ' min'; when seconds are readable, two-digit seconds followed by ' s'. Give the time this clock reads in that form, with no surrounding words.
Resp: 7 h 35 min
